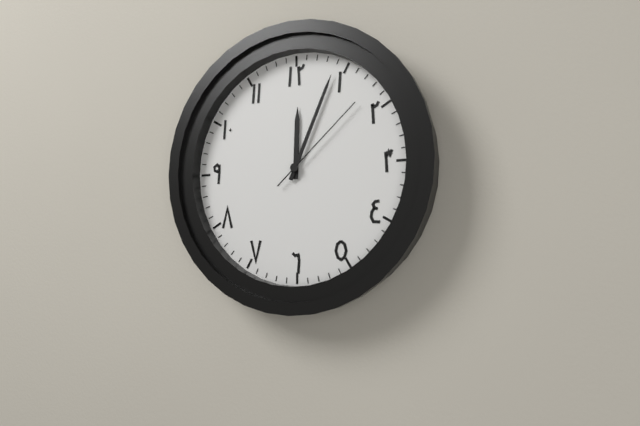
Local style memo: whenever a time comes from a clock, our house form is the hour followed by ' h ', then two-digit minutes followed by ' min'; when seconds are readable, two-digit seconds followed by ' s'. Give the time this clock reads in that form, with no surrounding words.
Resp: 12 h 04 min 08 s
